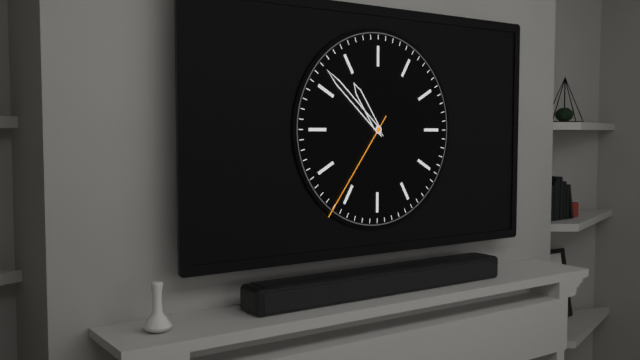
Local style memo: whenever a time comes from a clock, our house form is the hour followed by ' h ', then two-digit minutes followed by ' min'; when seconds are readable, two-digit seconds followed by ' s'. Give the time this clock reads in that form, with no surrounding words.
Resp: 10 h 52 min 36 s
